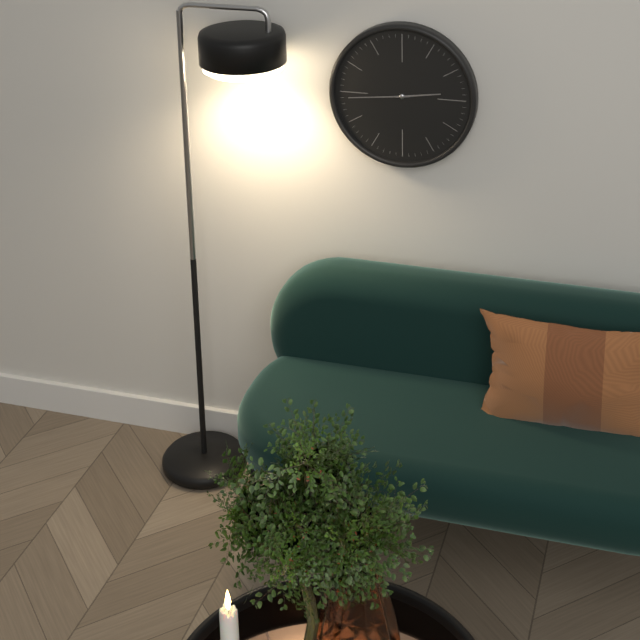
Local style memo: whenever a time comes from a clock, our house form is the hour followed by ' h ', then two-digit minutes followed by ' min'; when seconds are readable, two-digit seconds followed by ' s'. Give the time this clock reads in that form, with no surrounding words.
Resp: 2 h 44 min
